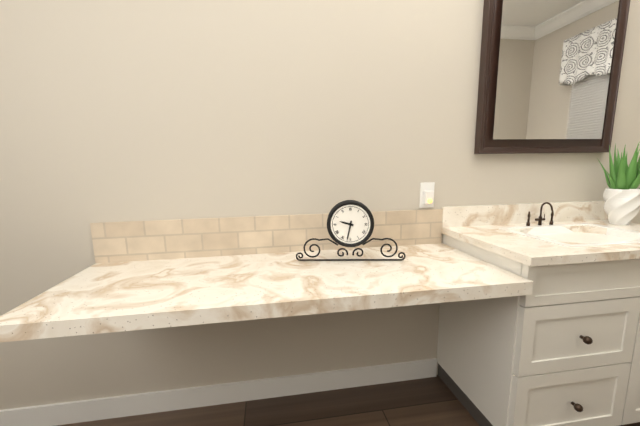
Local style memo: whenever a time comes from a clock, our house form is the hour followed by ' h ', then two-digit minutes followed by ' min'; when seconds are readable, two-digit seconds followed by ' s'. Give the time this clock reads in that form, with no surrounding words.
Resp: 9 h 32 min
